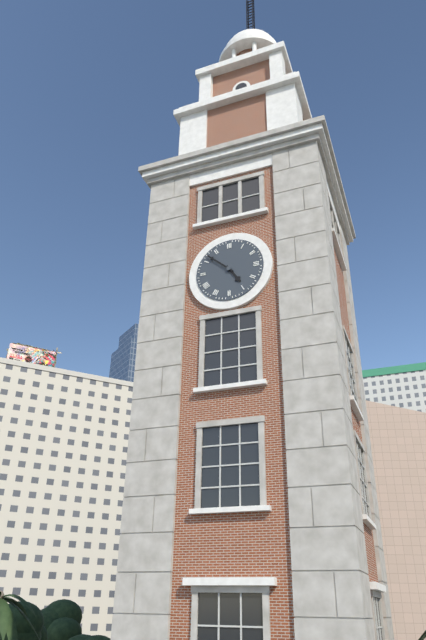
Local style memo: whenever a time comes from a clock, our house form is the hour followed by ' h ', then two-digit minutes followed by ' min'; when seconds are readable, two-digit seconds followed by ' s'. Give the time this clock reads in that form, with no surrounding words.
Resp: 4 h 52 min
